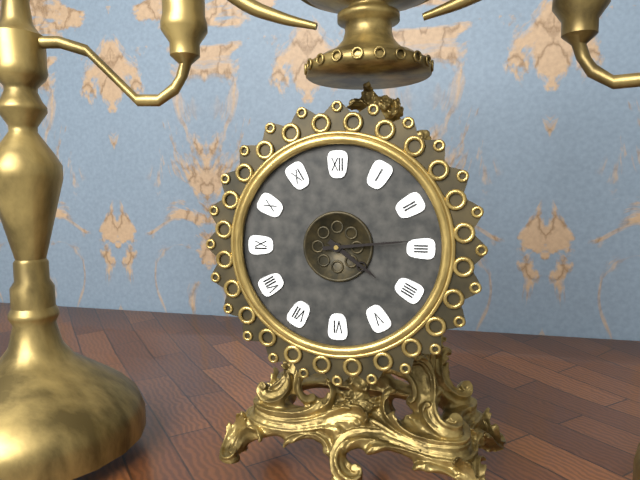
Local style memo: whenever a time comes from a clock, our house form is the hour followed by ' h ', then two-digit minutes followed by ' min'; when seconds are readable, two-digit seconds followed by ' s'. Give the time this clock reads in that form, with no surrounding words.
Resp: 4 h 14 min
